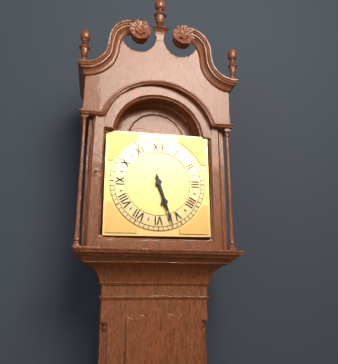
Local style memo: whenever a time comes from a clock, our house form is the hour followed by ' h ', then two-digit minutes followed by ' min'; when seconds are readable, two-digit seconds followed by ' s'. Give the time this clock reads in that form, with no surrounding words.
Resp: 5 h 27 min
